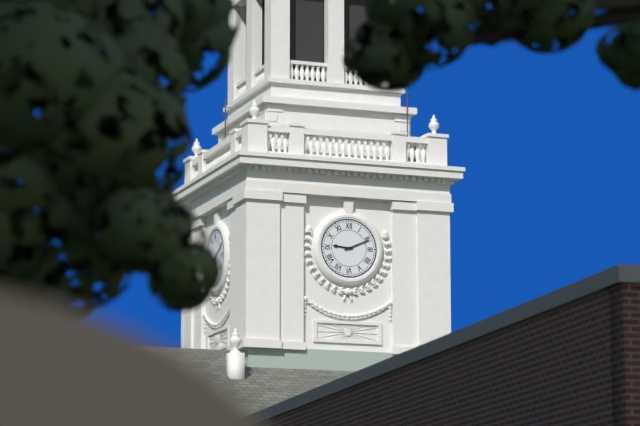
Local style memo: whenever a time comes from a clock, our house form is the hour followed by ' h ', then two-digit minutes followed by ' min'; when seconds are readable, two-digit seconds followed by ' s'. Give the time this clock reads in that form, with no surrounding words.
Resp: 9 h 11 min
